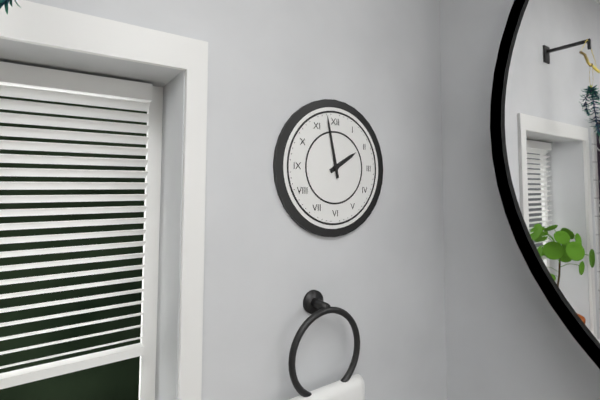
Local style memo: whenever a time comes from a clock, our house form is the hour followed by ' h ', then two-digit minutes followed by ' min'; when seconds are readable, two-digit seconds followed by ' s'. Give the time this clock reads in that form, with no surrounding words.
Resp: 1 h 58 min
